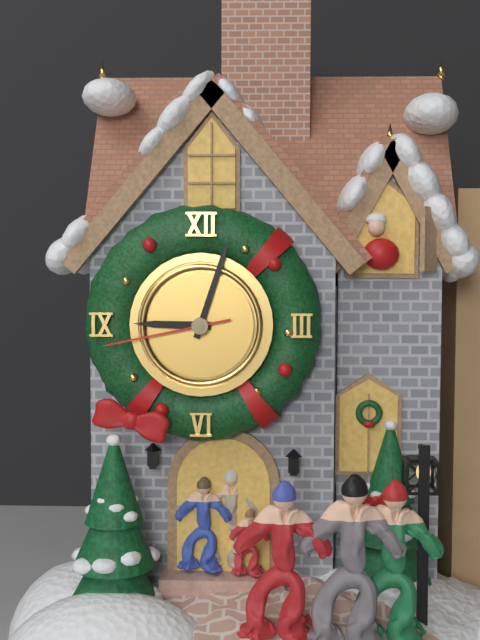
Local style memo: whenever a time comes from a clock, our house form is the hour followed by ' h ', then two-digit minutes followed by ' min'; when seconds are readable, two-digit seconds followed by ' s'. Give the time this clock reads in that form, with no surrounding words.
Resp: 9 h 03 min 43 s
